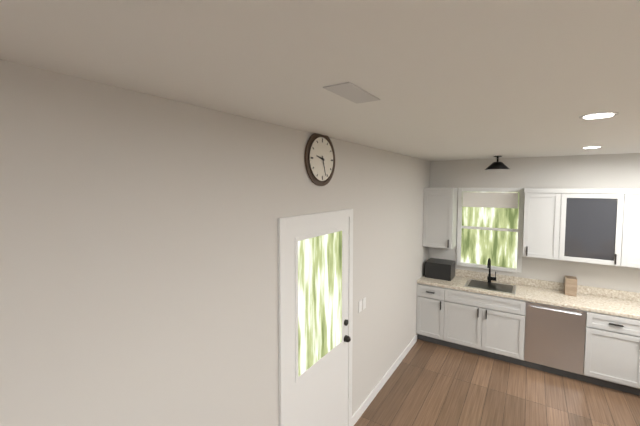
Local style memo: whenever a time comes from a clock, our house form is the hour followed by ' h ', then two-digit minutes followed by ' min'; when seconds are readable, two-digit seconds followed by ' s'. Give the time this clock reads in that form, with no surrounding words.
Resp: 9 h 27 min
